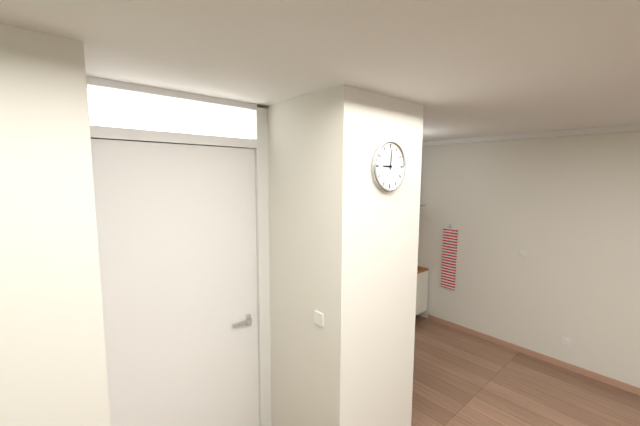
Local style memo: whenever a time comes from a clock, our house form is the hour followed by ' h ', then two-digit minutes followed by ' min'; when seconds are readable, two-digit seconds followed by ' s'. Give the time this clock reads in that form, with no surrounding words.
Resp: 9 h 01 min
